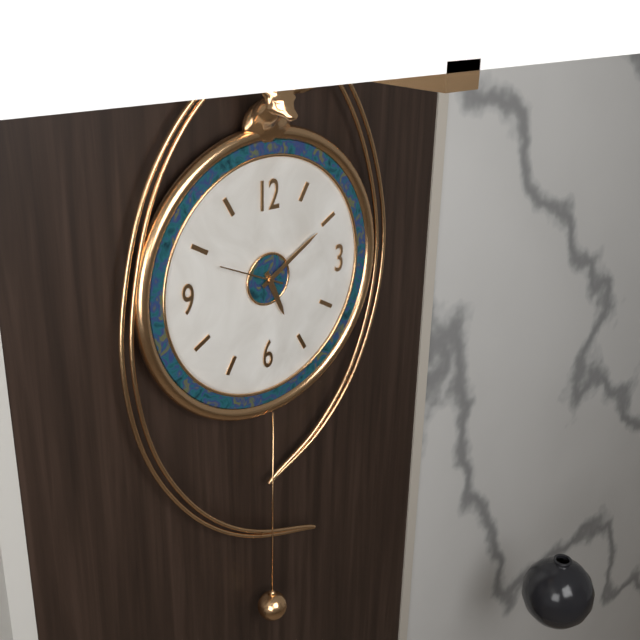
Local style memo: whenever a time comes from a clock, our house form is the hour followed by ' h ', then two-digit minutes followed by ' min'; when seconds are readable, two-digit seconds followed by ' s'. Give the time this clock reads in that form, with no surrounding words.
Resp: 5 h 10 min
